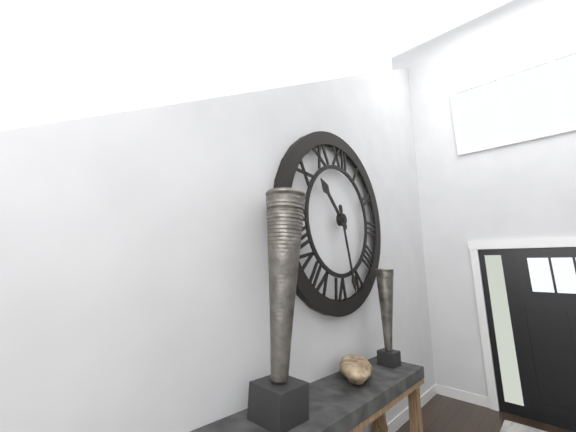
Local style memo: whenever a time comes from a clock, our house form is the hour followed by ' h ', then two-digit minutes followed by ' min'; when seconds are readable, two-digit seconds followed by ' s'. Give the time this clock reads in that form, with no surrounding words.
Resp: 10 h 27 min
